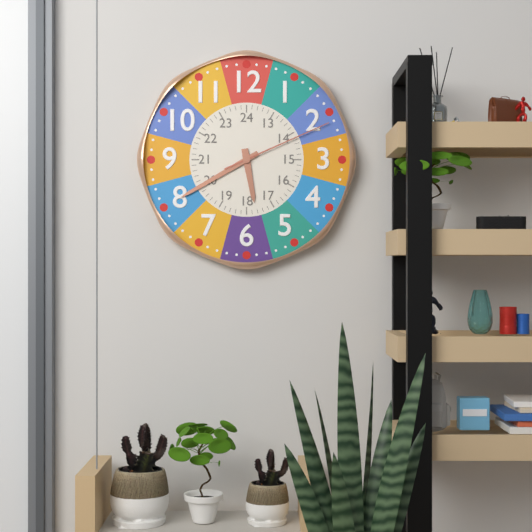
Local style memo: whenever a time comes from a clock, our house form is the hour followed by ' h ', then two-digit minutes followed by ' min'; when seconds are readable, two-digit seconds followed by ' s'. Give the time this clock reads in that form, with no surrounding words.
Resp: 5 h 40 min 11 s
